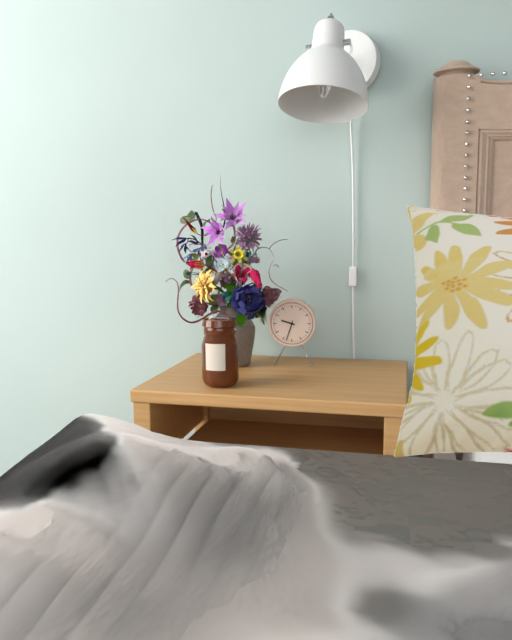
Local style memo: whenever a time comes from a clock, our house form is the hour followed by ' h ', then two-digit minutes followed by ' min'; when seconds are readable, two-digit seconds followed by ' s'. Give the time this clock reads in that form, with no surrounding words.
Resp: 9 h 33 min
